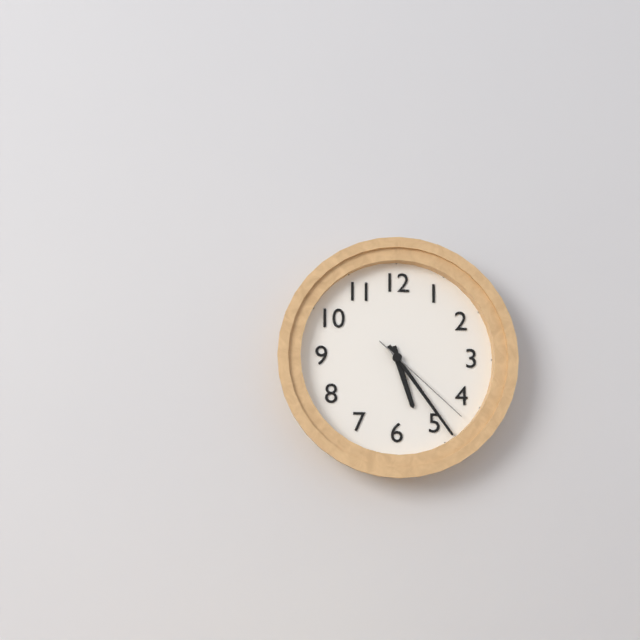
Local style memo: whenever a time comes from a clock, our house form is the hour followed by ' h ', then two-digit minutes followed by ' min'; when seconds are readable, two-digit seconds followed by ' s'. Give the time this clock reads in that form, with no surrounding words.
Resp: 5 h 24 min 22 s
